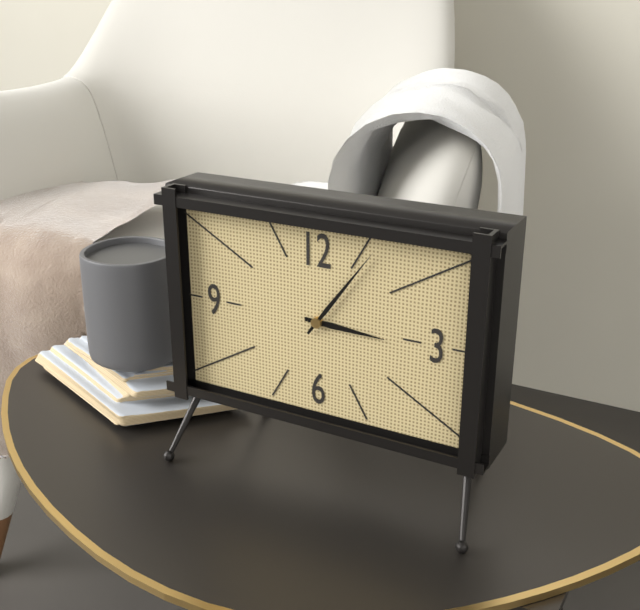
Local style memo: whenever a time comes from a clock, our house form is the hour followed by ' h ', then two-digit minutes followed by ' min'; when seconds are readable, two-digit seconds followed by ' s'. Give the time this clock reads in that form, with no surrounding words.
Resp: 3 h 06 min
